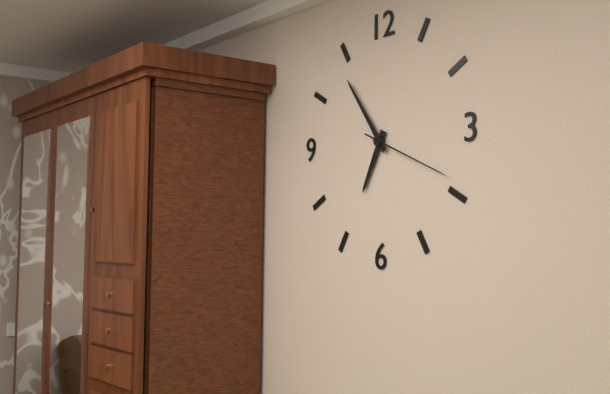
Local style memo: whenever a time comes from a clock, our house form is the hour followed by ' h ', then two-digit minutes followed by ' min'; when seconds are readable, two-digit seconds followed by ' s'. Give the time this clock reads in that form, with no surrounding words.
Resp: 6 h 54 min 19 s
